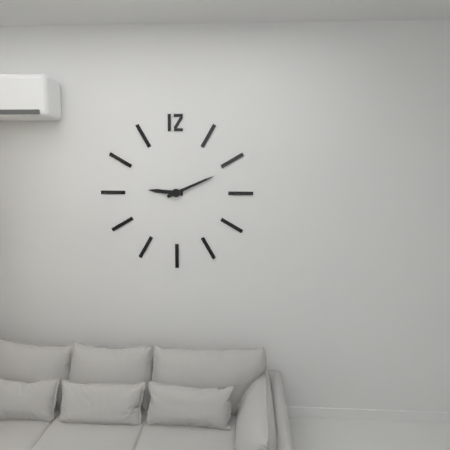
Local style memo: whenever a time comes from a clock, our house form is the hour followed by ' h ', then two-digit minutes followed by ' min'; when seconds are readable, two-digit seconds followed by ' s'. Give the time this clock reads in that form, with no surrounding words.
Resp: 9 h 11 min
